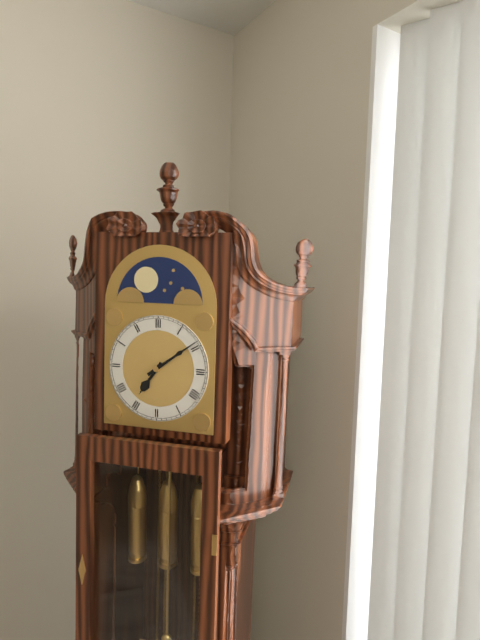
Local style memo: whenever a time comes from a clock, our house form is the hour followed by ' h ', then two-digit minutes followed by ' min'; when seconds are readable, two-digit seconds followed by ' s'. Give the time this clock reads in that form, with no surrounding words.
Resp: 7 h 09 min
